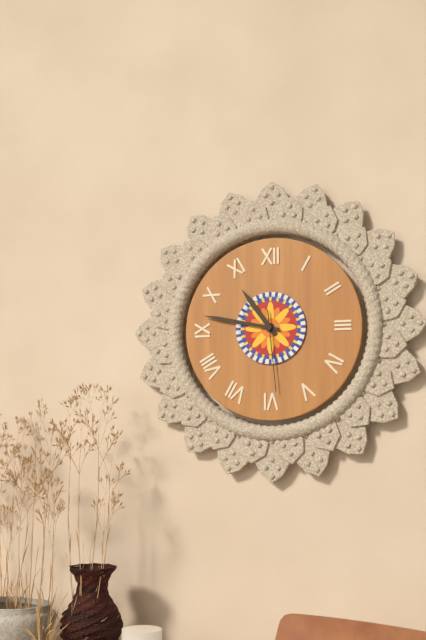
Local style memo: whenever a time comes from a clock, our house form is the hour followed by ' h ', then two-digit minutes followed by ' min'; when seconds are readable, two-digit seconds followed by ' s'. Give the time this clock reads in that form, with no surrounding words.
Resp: 10 h 47 min 29 s
